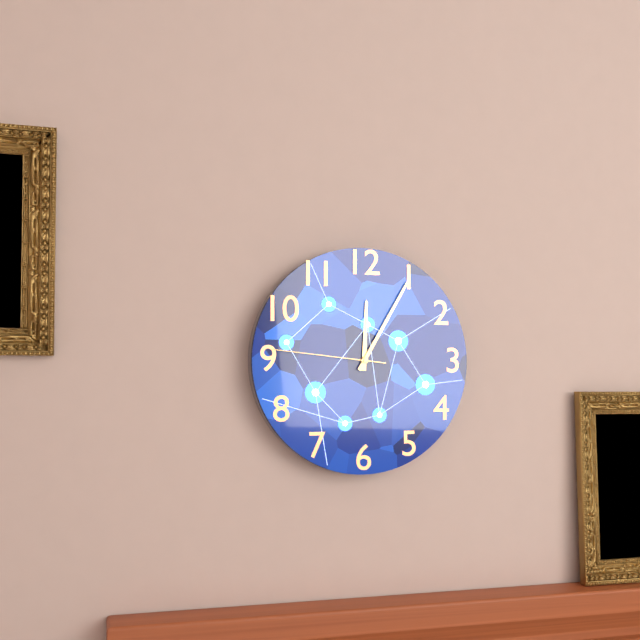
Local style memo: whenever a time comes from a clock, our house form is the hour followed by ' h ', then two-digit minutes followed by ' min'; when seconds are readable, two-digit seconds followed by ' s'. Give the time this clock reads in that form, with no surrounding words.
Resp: 12 h 05 min 46 s
